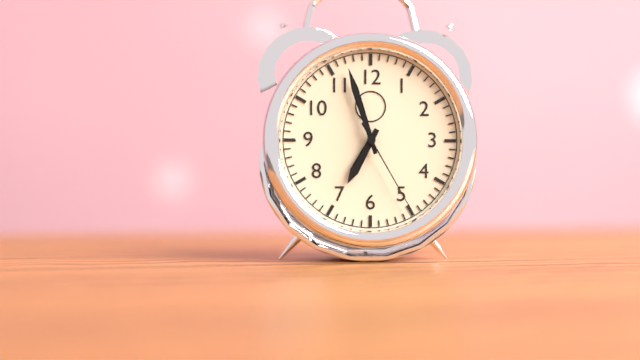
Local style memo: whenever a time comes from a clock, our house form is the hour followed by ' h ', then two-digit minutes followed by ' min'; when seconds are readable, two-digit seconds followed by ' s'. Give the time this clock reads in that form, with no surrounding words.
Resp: 6 h 57 min 25 s
